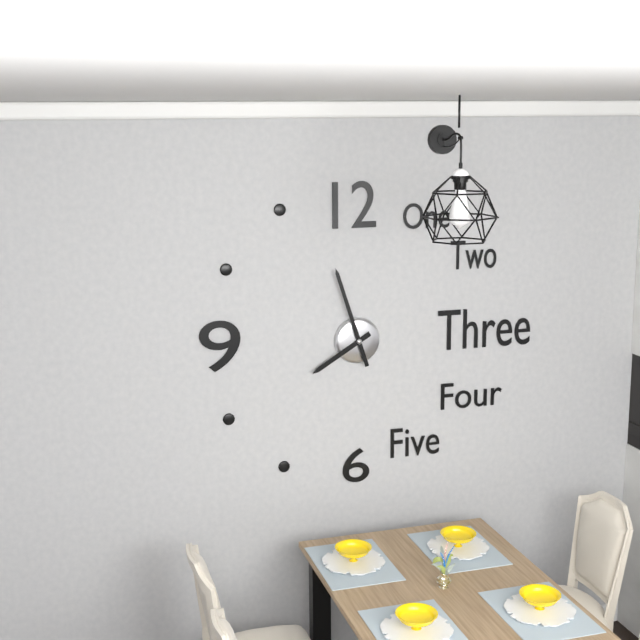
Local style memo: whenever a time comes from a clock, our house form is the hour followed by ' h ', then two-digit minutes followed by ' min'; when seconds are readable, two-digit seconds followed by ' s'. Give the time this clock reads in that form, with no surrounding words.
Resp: 7 h 57 min
